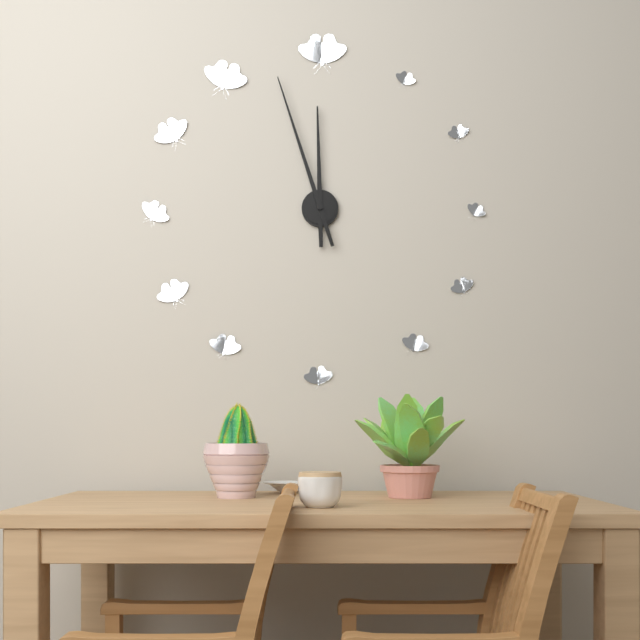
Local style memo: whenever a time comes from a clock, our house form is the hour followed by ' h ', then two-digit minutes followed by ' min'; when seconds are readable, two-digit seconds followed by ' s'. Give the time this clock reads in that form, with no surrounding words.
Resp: 11 h 57 min
